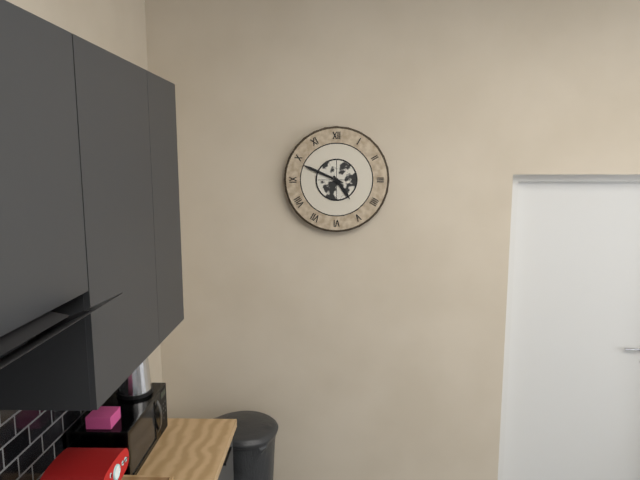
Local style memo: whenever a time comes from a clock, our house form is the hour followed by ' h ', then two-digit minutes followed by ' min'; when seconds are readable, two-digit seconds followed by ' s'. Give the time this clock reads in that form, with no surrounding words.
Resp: 4 h 49 min
